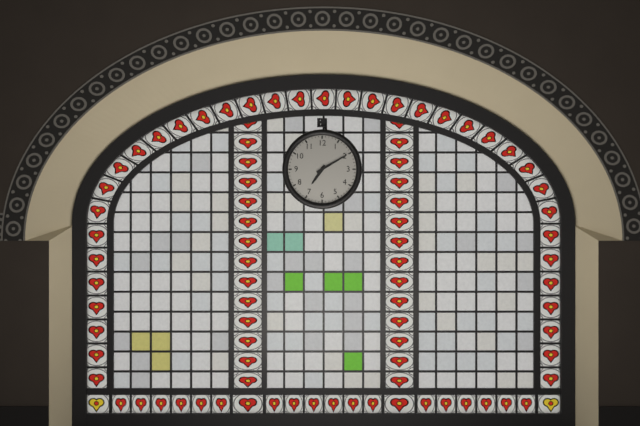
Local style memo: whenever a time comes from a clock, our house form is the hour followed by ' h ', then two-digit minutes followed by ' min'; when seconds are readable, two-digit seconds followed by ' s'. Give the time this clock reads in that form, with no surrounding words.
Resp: 7 h 10 min
